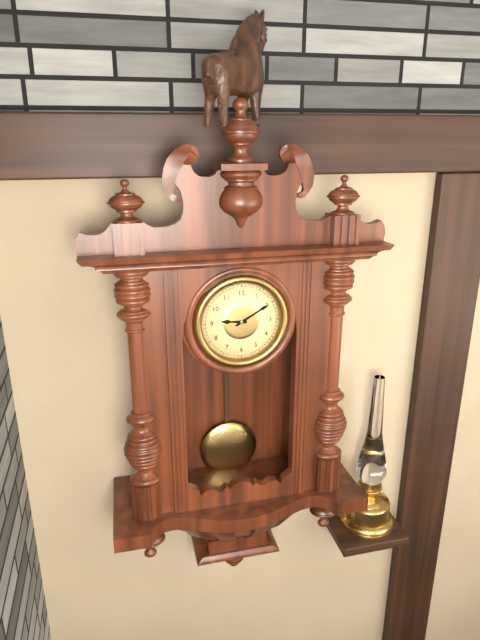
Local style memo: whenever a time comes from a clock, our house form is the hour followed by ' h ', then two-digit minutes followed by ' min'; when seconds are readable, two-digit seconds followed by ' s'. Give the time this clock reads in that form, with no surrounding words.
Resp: 9 h 10 min
